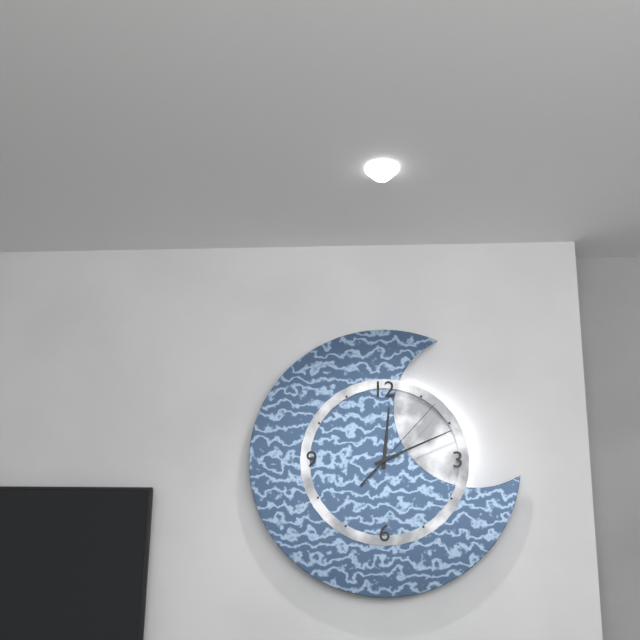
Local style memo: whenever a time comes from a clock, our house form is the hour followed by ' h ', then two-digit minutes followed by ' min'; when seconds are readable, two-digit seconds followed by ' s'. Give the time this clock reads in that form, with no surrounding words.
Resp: 12 h 11 min 07 s
